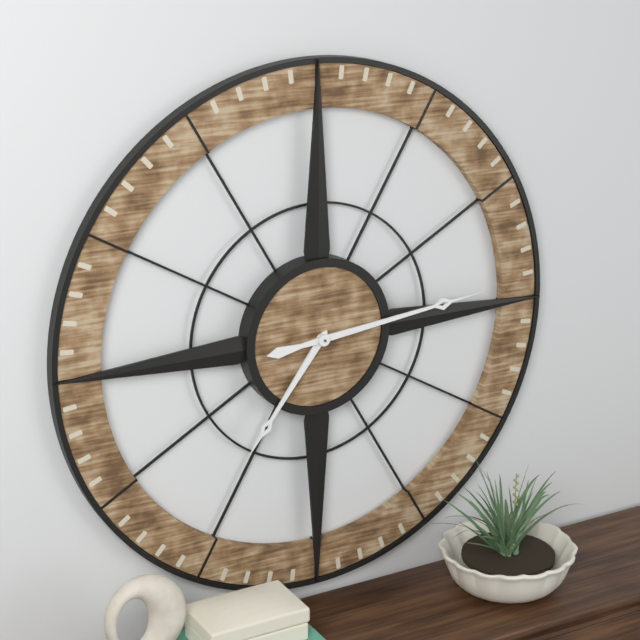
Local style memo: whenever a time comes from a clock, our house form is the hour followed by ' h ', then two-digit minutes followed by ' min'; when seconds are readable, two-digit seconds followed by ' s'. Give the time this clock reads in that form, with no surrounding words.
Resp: 7 h 14 min
